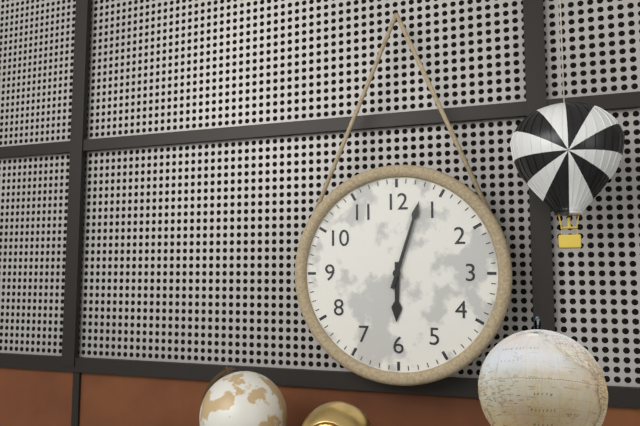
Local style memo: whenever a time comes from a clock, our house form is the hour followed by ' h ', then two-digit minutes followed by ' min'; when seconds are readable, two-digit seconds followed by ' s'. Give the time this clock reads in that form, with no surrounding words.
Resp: 6 h 03 min
